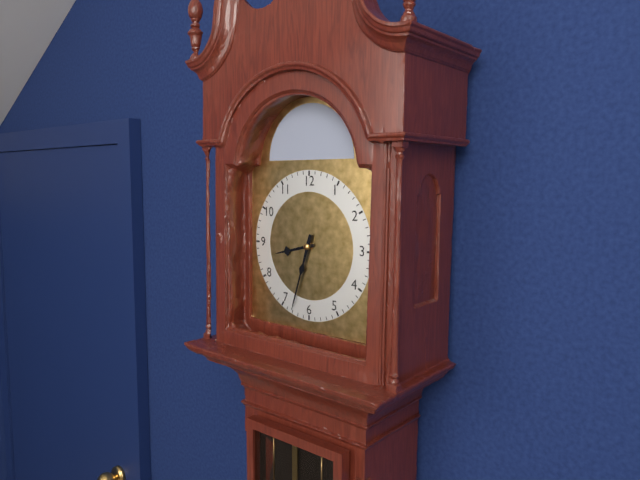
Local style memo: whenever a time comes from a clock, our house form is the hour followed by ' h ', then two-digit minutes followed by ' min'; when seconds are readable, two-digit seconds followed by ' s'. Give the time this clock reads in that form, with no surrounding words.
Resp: 8 h 33 min
